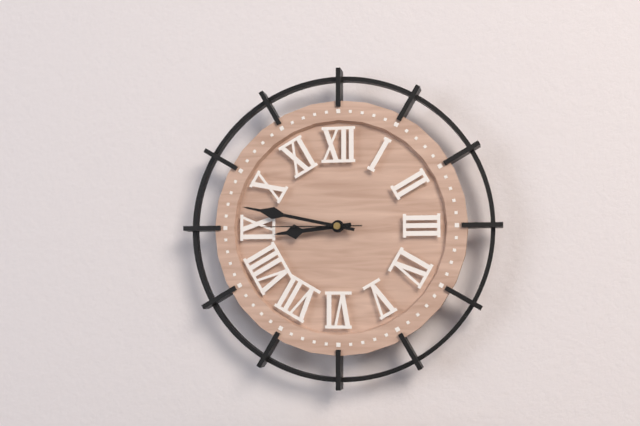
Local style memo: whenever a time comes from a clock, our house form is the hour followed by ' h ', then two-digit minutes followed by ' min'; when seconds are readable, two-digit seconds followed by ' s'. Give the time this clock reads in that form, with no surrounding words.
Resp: 8 h 47 min 45 s
